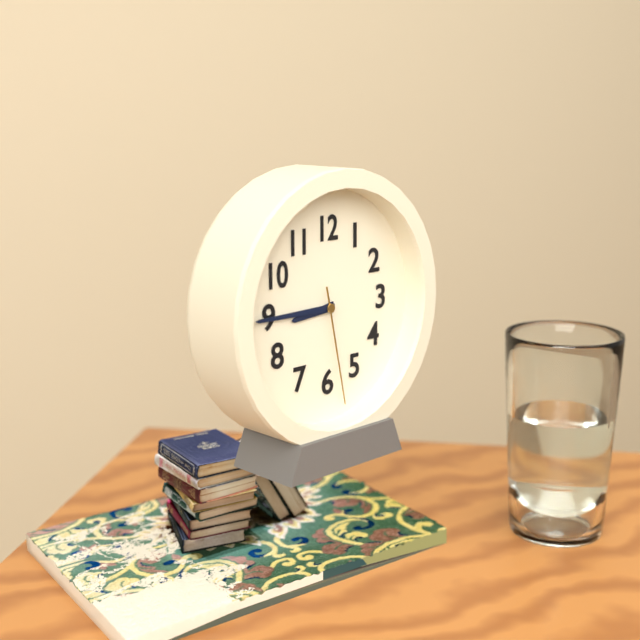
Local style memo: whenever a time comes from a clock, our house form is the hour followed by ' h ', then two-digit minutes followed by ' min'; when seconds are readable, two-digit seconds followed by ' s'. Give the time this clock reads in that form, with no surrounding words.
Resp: 8 h 45 min 28 s
